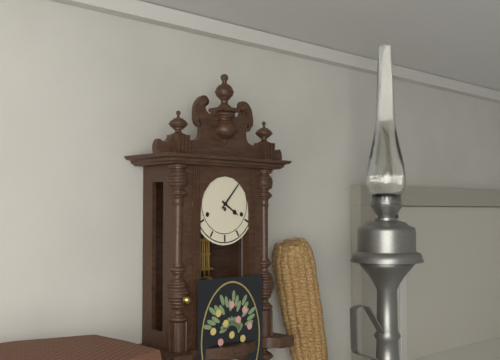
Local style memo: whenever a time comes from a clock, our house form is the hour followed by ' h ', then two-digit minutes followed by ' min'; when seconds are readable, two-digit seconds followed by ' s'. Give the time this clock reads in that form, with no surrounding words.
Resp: 4 h 07 min
